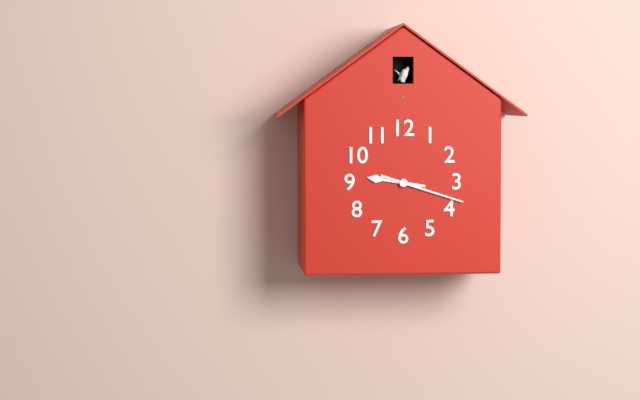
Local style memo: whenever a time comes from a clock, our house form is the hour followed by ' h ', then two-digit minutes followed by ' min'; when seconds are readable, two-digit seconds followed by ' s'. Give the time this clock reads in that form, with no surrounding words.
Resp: 9 h 18 min
